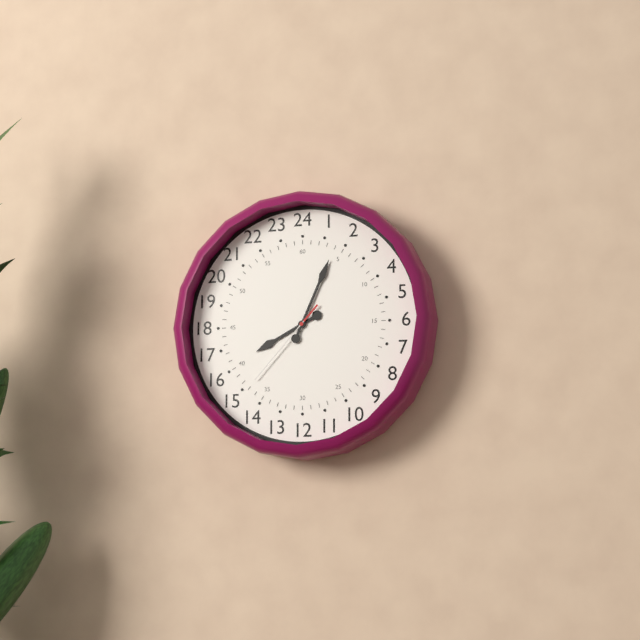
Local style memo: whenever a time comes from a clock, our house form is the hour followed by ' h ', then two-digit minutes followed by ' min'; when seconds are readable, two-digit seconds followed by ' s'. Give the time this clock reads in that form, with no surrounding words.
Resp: 8 h 04 min 37 s
